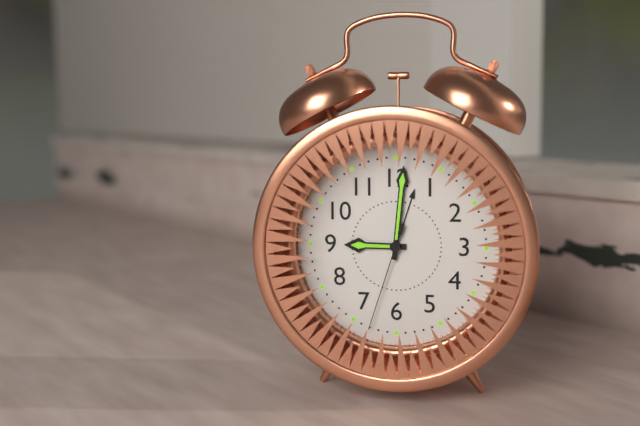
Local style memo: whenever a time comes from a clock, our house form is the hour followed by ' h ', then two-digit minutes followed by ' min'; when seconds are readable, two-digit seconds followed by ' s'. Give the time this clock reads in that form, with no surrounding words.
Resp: 9 h 01 min 33 s
